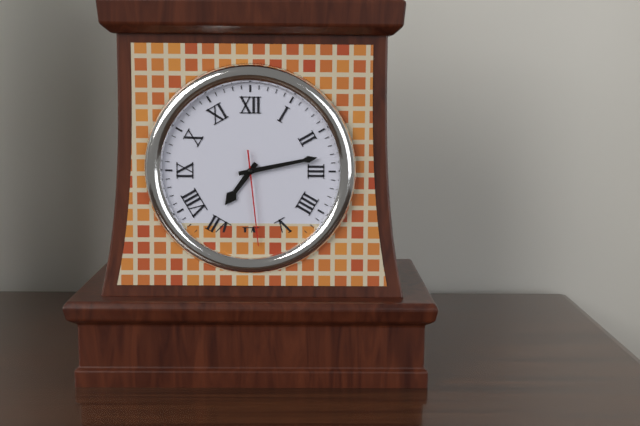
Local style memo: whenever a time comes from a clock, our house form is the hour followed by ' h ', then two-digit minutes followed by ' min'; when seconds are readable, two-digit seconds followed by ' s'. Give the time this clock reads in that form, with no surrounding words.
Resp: 7 h 13 min 29 s
